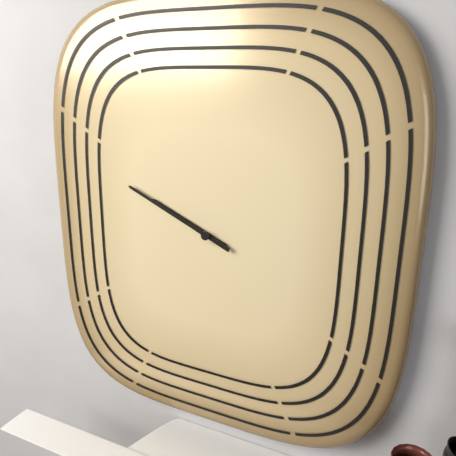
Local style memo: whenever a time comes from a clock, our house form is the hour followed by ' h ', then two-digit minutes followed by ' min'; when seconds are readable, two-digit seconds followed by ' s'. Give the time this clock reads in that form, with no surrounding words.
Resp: 9 h 49 min
